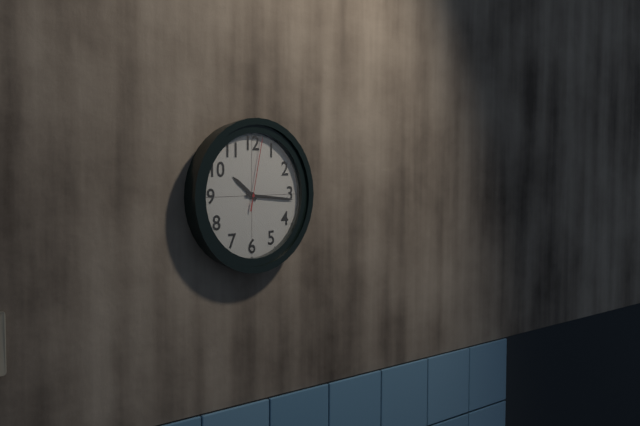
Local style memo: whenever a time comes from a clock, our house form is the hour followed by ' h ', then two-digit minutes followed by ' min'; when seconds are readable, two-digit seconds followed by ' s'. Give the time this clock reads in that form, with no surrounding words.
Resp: 10 h 16 min 02 s
